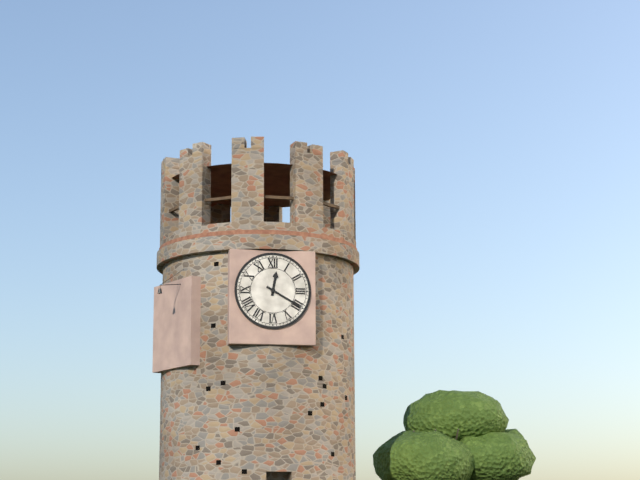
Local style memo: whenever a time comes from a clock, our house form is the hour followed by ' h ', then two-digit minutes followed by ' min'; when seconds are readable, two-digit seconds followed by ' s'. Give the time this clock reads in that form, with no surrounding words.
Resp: 12 h 20 min
